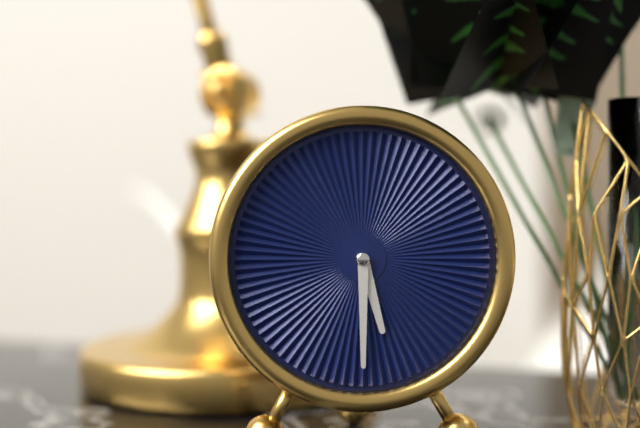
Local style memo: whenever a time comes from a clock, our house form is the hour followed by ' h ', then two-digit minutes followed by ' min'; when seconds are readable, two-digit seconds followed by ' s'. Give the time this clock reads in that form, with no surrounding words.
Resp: 5 h 30 min
